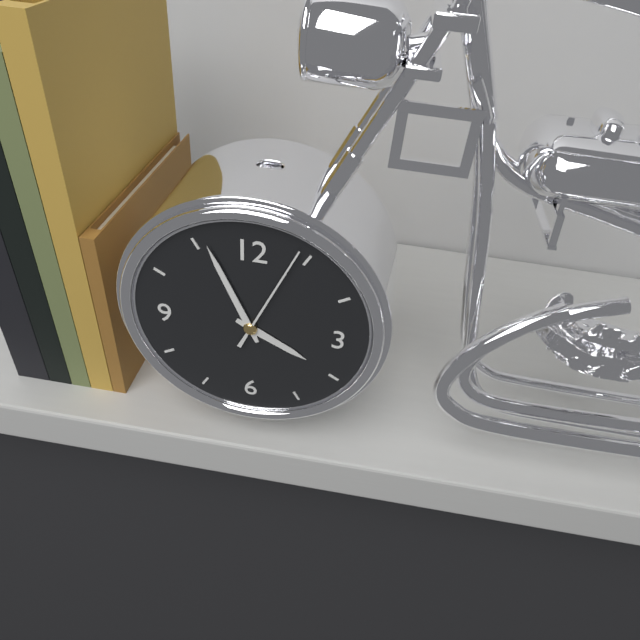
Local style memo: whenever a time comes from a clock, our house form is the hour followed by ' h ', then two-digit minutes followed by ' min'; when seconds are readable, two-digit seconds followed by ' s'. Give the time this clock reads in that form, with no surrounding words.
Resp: 3 h 56 min 04 s
